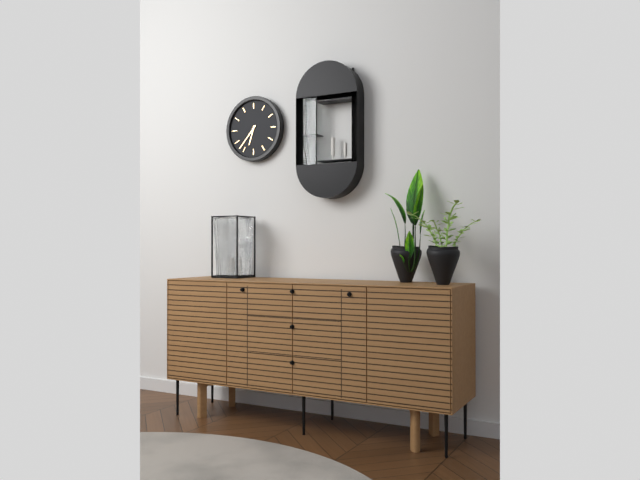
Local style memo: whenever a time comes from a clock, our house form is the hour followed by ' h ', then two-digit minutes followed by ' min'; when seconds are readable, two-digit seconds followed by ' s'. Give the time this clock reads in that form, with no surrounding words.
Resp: 6 h 37 min
